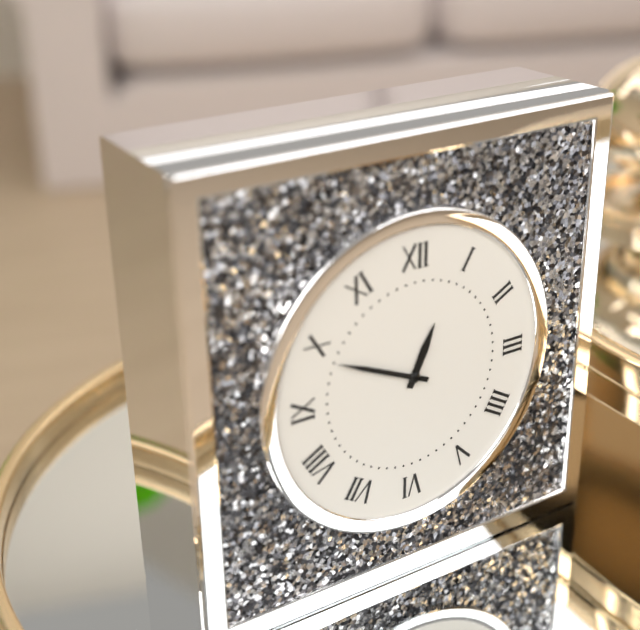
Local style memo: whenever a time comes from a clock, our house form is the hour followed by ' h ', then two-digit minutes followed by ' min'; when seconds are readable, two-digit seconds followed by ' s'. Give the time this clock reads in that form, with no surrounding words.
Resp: 12 h 49 min
